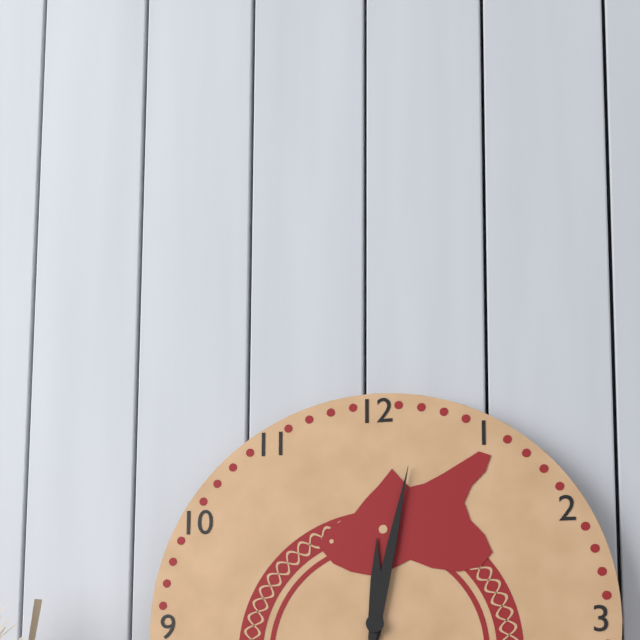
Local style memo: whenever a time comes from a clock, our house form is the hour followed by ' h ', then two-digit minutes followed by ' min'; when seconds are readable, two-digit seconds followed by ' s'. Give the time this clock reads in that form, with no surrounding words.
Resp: 12 h 02 min
